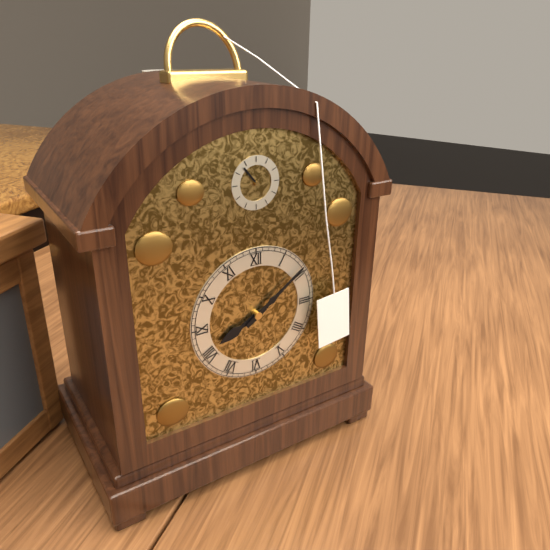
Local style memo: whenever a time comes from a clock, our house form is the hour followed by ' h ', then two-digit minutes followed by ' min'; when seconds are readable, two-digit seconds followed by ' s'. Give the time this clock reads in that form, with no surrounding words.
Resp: 8 h 09 min
